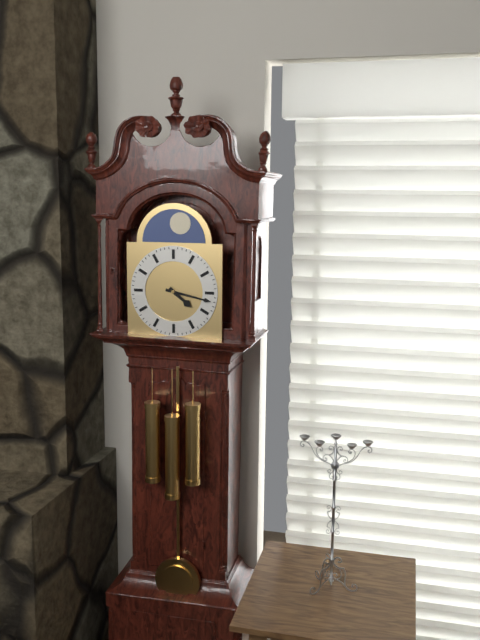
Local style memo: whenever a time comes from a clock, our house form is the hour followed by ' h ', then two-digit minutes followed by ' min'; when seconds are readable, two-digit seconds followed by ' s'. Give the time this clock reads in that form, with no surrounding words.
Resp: 4 h 17 min
